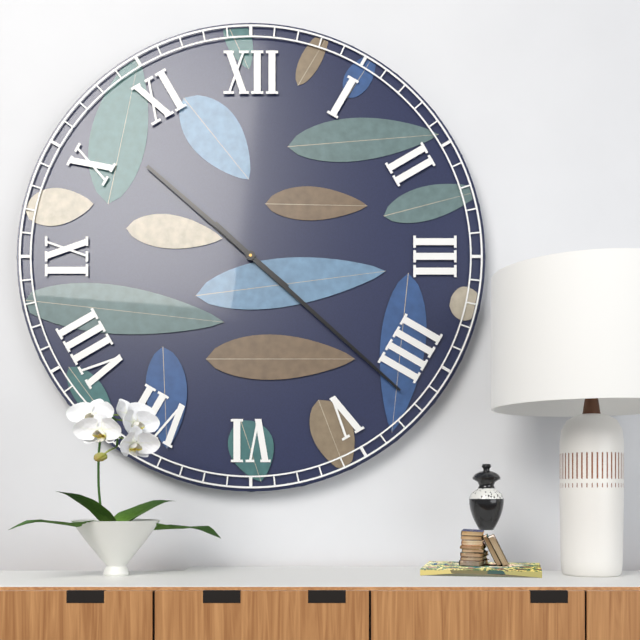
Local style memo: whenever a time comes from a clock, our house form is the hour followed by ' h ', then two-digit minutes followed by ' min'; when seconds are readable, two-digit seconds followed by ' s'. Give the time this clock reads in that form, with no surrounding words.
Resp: 10 h 22 min
